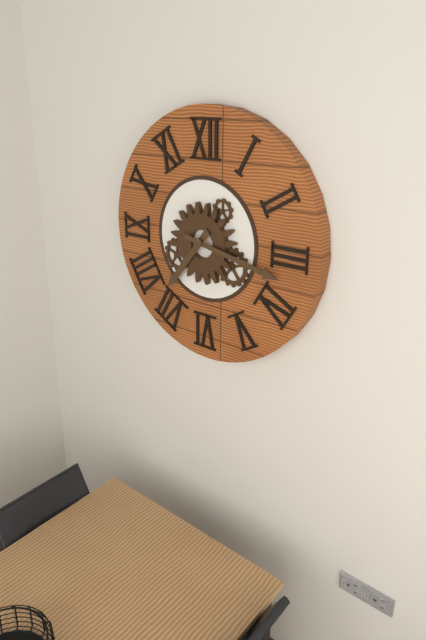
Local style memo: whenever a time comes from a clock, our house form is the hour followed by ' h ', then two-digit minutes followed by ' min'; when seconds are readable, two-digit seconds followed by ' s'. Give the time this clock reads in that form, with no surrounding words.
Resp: 7 h 17 min
